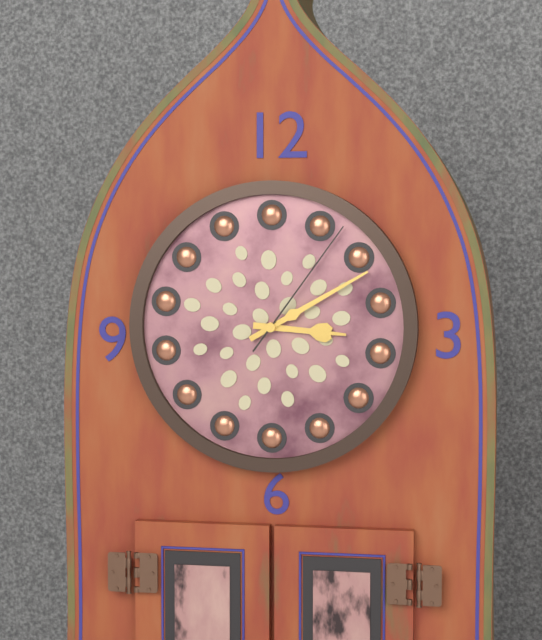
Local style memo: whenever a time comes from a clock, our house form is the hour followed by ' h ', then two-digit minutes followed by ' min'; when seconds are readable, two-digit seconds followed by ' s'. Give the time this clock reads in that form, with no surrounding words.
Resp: 3 h 10 min 06 s
